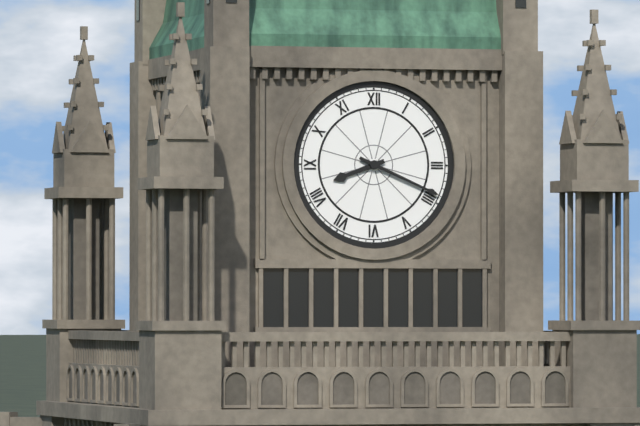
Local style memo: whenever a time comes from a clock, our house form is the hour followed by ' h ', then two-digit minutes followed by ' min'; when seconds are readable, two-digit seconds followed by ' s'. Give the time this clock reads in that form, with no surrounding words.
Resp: 8 h 19 min
